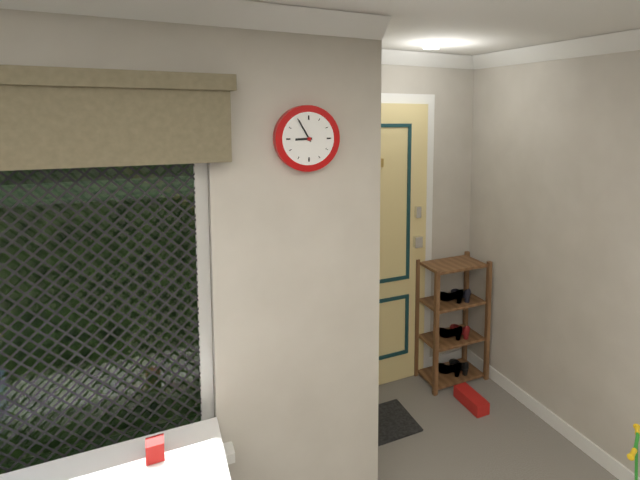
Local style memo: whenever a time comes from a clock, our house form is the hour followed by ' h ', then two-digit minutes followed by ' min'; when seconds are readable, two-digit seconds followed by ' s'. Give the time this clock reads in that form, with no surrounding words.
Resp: 8 h 55 min
